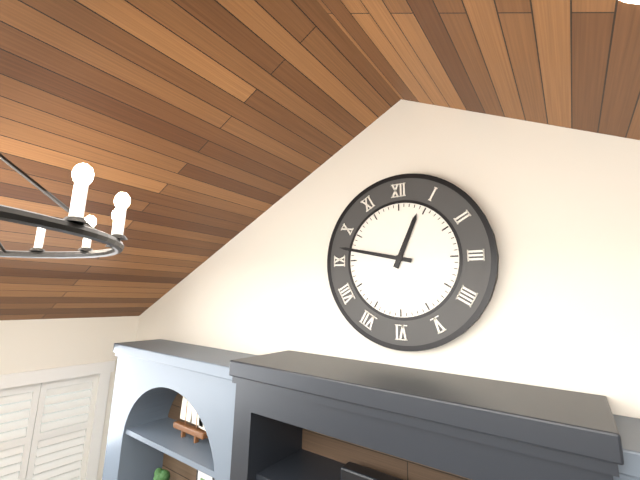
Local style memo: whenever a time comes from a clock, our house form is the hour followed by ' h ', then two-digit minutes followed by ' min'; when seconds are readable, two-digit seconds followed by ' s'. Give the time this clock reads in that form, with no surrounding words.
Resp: 12 h 47 min
